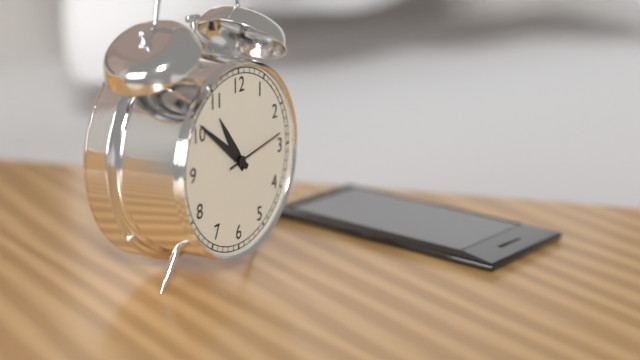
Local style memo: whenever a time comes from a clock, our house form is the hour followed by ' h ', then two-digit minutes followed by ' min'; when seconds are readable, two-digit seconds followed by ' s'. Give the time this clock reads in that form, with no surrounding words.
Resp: 10 h 51 min 13 s
